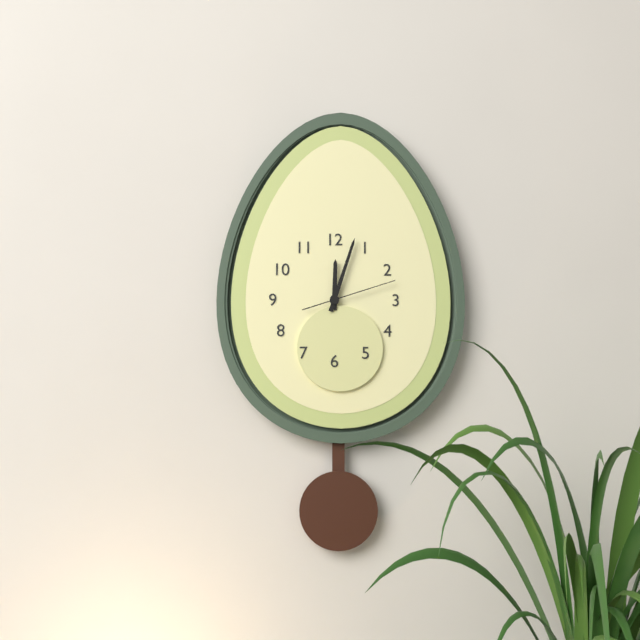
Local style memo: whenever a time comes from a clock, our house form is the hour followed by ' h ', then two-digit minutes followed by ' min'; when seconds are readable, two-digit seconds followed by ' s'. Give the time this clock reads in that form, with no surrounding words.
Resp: 12 h 03 min 12 s
